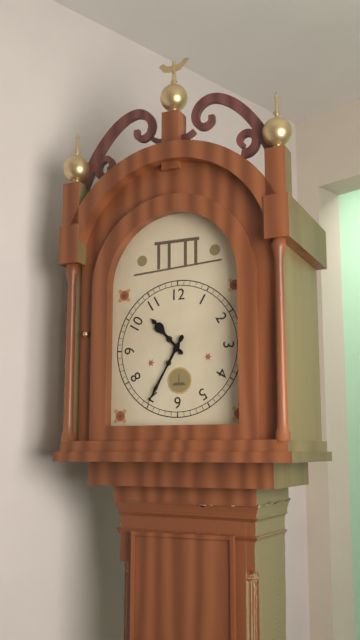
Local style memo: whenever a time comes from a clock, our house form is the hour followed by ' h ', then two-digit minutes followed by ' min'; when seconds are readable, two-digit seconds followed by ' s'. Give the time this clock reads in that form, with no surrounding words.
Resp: 10 h 35 min
